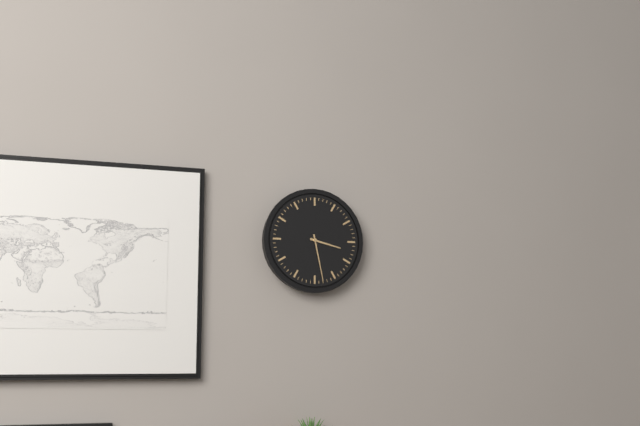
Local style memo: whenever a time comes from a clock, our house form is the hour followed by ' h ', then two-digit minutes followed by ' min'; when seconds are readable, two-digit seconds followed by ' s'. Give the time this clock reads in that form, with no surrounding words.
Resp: 3 h 28 min
